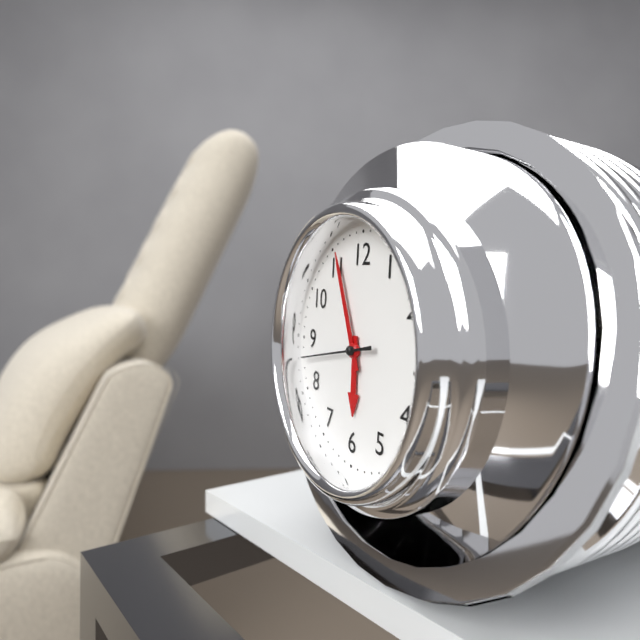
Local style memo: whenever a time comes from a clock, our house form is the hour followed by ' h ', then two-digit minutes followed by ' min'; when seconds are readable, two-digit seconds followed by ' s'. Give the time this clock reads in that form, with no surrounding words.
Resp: 5 h 56 min 43 s
